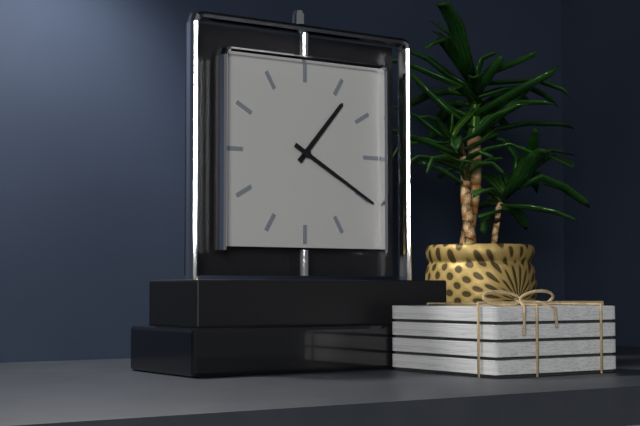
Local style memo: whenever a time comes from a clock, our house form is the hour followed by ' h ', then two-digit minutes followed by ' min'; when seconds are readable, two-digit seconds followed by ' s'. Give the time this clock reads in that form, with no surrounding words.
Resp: 1 h 20 min
